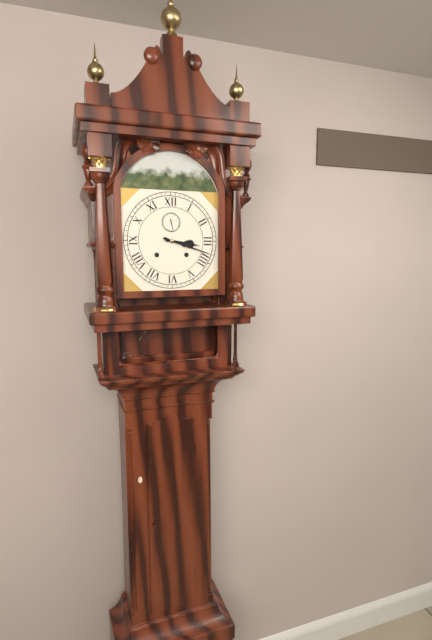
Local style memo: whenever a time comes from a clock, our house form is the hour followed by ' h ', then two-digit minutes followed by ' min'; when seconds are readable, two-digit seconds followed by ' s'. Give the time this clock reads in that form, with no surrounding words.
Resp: 3 h 18 min
